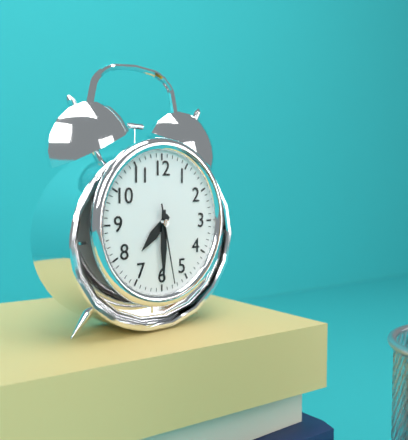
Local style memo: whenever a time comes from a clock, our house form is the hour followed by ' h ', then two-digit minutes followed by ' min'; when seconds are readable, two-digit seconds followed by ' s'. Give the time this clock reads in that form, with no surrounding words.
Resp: 7 h 30 min 28 s
